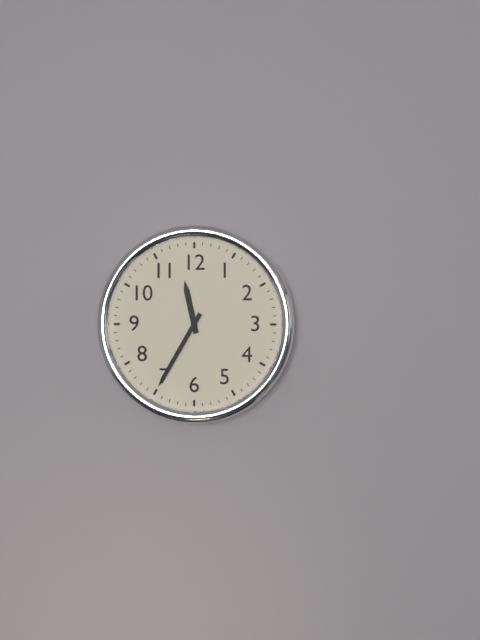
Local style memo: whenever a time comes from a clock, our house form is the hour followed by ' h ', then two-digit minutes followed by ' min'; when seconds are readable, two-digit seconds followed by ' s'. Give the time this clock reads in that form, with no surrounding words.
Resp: 11 h 35 min
